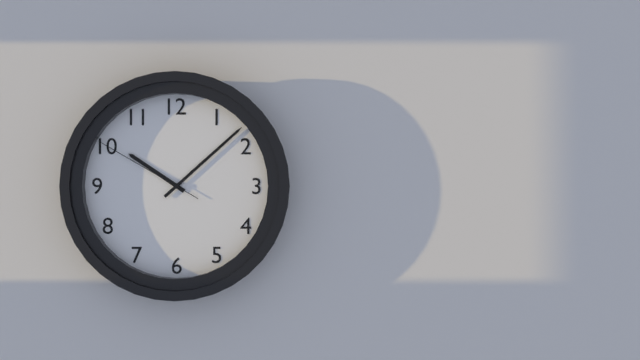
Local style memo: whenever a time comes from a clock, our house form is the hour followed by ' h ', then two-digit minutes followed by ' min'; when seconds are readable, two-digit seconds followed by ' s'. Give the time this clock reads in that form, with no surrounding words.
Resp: 10 h 08 min 50 s
